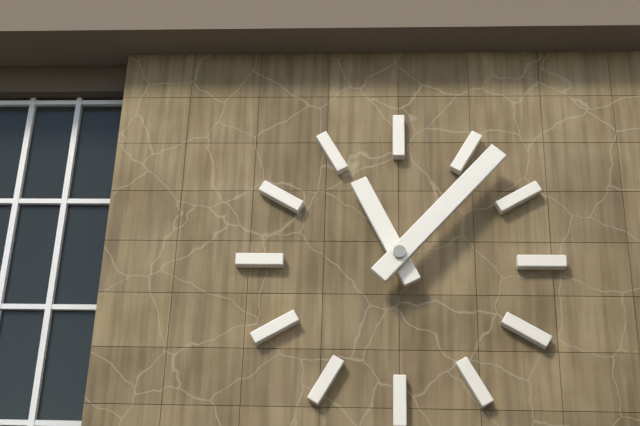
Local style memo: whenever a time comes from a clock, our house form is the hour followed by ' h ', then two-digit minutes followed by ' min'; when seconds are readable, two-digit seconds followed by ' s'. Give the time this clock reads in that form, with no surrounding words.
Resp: 11 h 07 min
